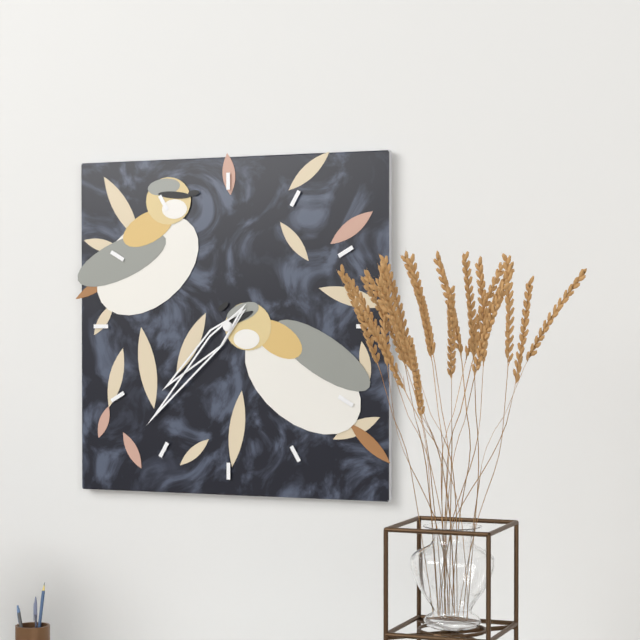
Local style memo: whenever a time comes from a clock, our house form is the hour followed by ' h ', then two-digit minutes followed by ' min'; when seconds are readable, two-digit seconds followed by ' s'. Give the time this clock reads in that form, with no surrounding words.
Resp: 7 h 37 min
